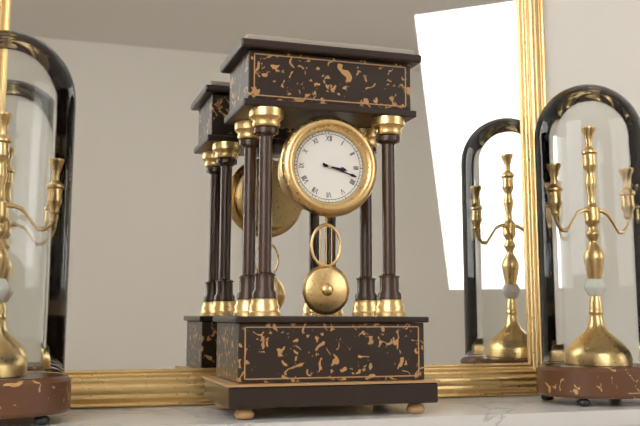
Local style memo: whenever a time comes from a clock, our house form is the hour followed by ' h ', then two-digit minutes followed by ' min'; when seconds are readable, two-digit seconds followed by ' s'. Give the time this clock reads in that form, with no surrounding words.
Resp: 3 h 18 min
